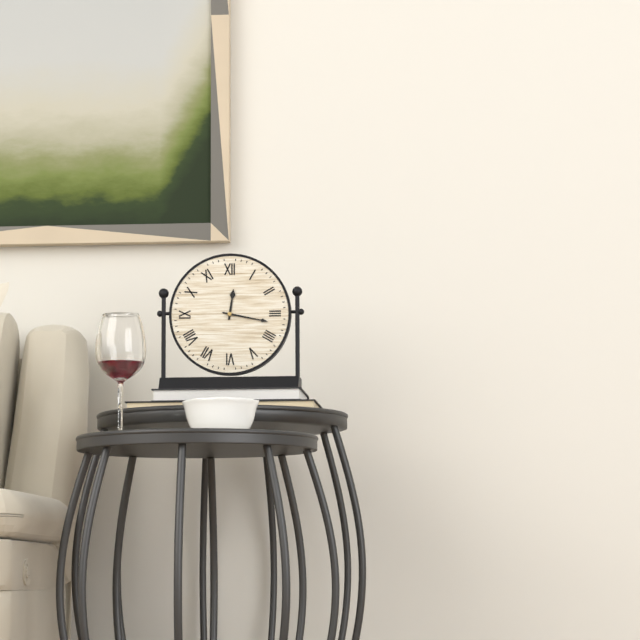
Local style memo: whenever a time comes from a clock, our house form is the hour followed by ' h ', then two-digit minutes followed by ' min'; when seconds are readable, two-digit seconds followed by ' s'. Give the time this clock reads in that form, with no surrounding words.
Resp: 12 h 17 min
